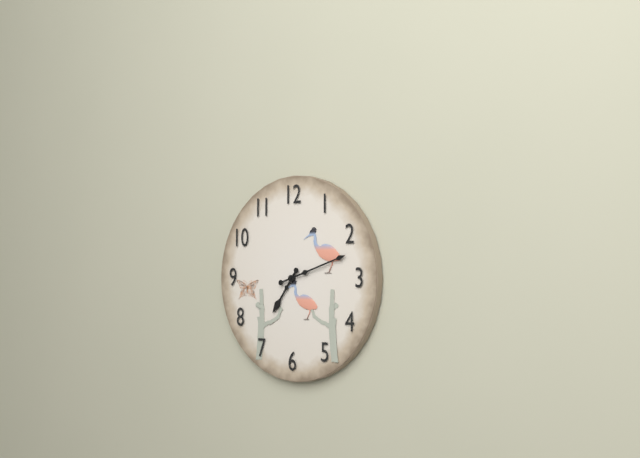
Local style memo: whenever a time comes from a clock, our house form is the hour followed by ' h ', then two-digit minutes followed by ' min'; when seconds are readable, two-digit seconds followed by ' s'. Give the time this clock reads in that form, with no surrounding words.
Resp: 7 h 12 min
